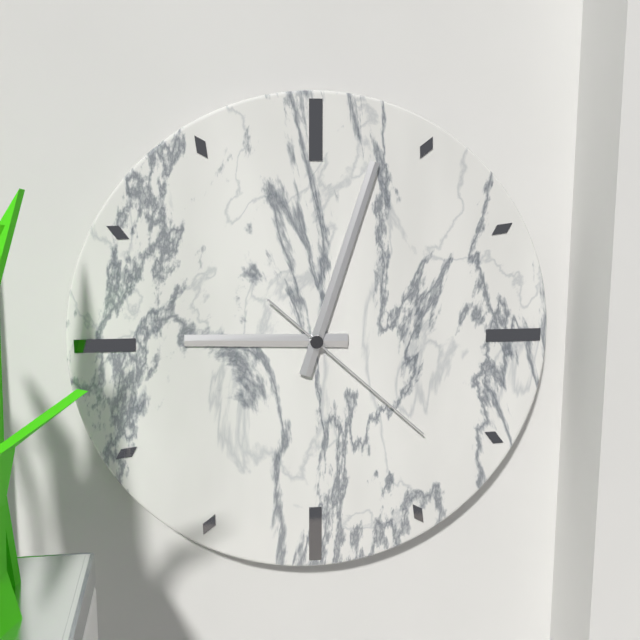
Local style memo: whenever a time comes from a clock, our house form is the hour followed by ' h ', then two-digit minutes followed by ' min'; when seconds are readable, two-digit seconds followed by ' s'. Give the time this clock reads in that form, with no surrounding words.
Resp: 9 h 03 min 22 s
